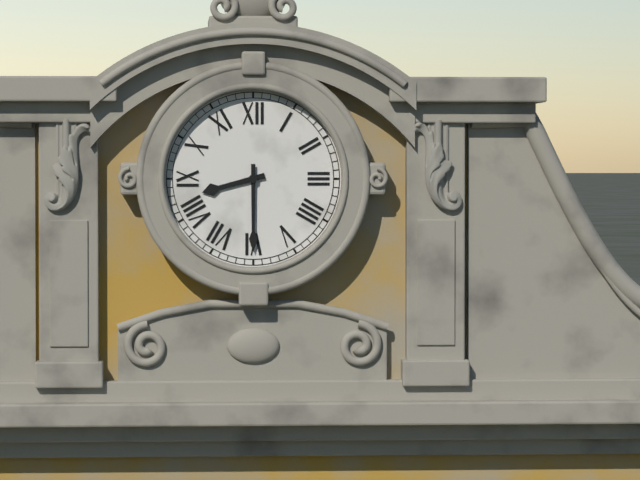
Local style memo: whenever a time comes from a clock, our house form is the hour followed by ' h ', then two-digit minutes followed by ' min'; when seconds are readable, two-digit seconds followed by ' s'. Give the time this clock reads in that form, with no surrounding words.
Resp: 8 h 30 min
